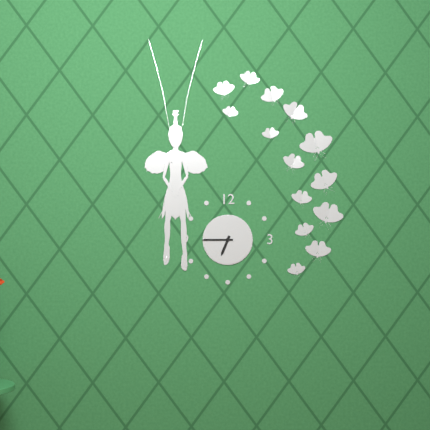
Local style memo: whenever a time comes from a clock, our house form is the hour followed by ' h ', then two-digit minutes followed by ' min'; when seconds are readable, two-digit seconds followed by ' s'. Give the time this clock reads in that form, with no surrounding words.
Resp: 6 h 45 min
